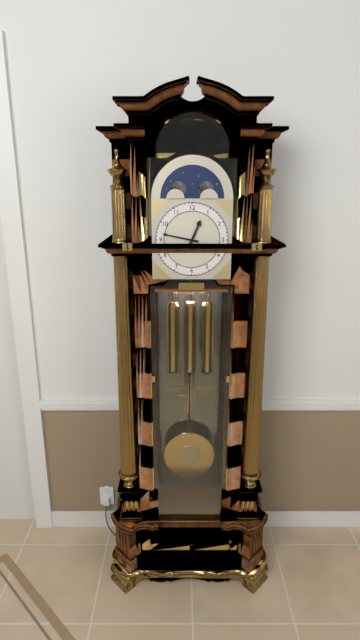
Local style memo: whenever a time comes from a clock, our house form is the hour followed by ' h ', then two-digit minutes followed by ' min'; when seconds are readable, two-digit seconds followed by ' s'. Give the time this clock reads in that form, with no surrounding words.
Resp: 12 h 47 min
